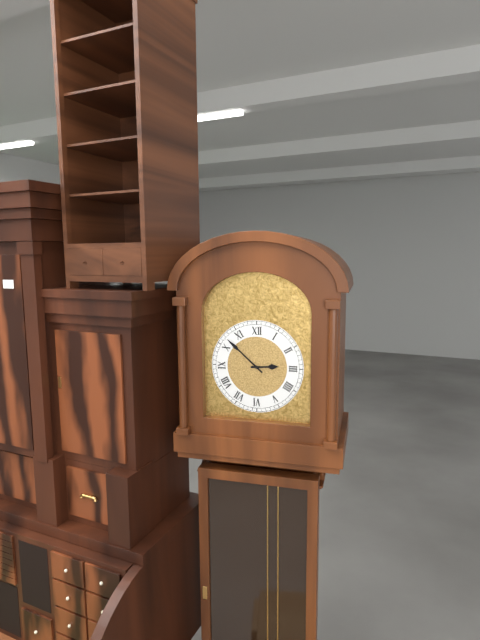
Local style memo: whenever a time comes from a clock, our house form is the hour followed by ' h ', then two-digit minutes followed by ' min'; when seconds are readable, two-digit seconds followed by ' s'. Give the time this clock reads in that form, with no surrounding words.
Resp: 2 h 52 min
